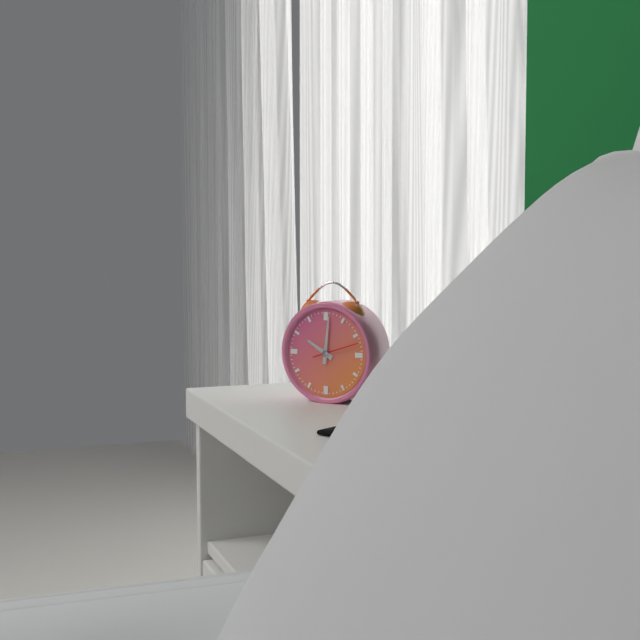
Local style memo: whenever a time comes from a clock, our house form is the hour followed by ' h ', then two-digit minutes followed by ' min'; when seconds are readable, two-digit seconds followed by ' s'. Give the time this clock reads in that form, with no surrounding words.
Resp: 10 h 01 min
